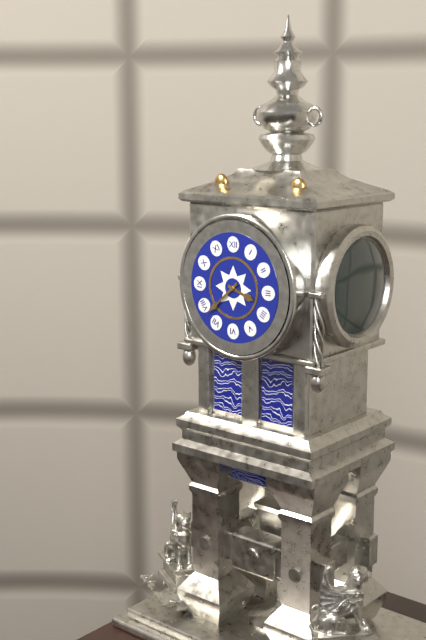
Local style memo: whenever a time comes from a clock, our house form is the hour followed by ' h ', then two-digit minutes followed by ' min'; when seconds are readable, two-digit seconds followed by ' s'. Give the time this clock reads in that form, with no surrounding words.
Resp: 3 h 38 min
